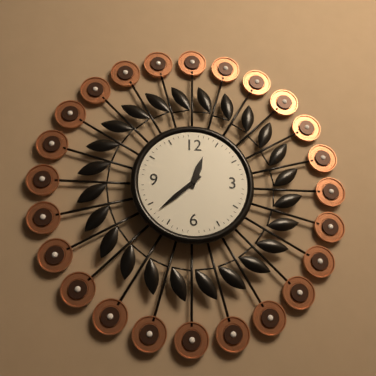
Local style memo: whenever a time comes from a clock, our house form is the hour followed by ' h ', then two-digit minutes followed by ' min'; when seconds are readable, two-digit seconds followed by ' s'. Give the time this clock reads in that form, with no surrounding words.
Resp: 12 h 38 min
